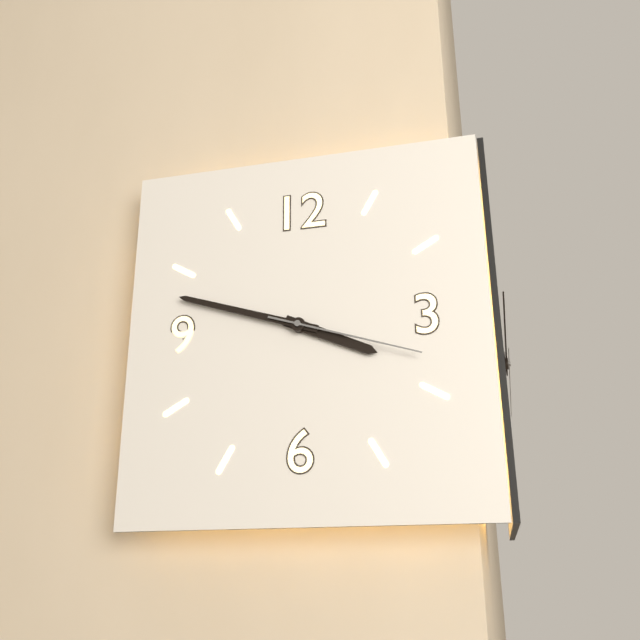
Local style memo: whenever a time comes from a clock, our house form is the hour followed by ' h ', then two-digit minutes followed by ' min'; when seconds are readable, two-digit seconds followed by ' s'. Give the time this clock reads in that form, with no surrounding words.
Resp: 3 h 48 min 18 s
